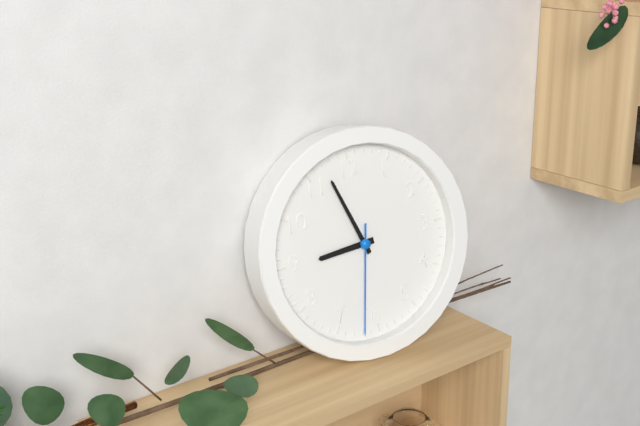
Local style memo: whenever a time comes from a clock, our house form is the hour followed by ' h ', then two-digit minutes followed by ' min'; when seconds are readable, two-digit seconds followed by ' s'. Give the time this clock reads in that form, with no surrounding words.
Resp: 8 h 57 min 32 s
